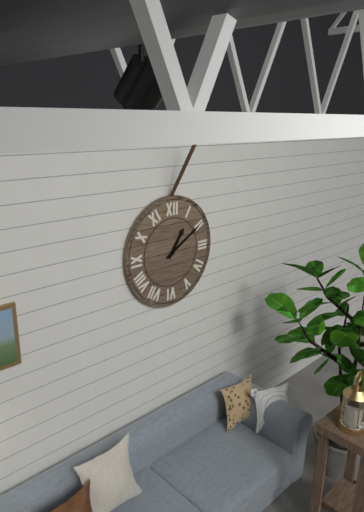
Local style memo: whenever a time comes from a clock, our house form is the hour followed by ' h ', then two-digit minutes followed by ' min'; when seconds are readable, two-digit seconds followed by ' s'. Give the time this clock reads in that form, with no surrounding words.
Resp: 1 h 10 min
